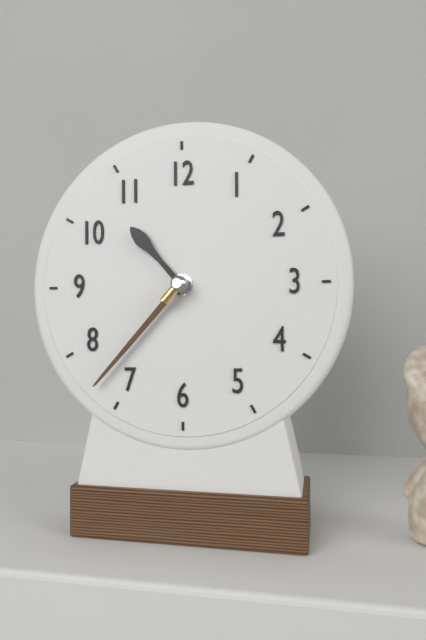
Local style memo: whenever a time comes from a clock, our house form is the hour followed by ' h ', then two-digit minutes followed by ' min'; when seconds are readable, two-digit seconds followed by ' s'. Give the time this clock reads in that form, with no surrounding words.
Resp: 10 h 37 min
